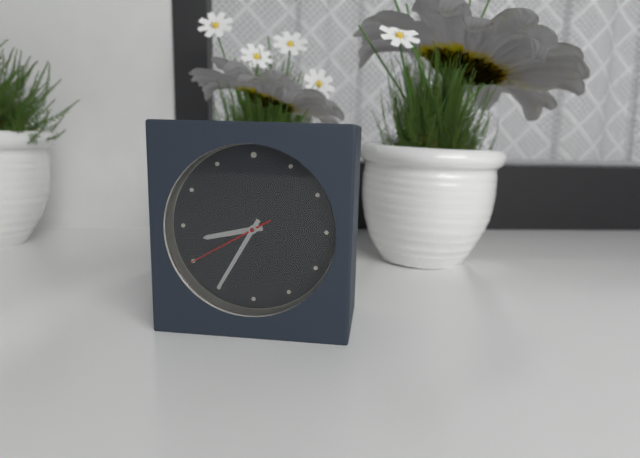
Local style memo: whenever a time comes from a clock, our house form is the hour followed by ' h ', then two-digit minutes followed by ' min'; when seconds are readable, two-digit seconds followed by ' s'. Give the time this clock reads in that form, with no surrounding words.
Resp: 8 h 35 min 40 s
